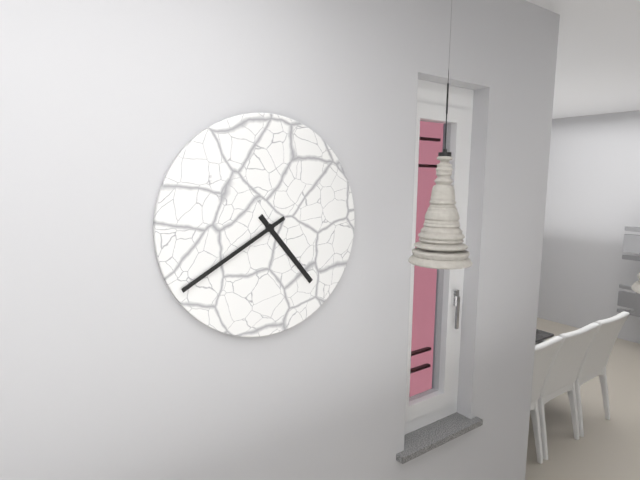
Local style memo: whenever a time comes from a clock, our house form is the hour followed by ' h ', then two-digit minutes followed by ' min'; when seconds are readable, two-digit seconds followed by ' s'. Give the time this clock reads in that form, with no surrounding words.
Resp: 4 h 40 min
